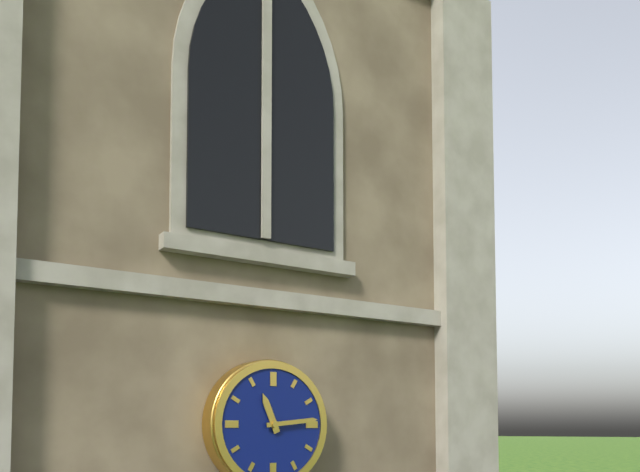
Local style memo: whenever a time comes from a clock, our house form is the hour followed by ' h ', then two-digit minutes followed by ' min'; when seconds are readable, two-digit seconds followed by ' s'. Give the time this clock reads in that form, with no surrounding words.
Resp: 11 h 14 min
